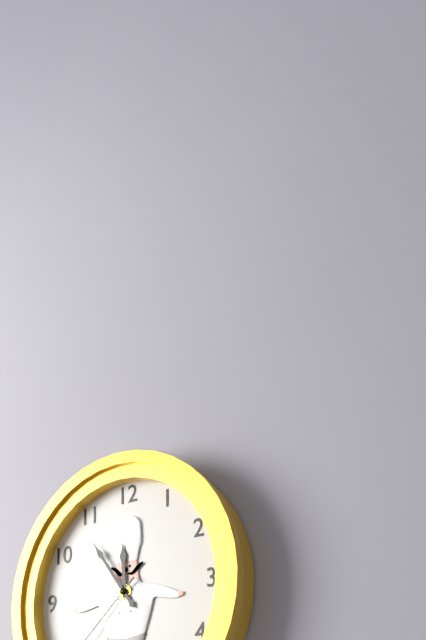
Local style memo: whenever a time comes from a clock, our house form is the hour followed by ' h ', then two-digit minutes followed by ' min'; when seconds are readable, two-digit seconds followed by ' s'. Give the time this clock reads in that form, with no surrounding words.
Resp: 11 h 54 min
